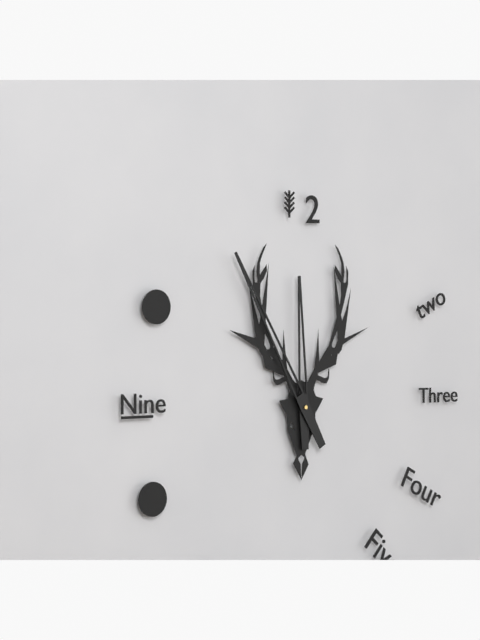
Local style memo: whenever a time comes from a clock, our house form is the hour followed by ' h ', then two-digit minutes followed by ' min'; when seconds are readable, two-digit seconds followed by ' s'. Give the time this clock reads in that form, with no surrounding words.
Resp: 11 h 55 min
